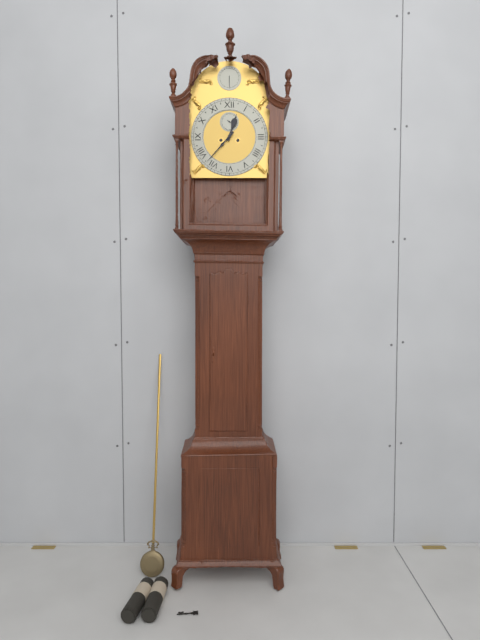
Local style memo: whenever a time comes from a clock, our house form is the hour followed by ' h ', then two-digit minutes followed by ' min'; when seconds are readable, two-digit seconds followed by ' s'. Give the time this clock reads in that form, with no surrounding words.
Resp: 12 h 37 min
